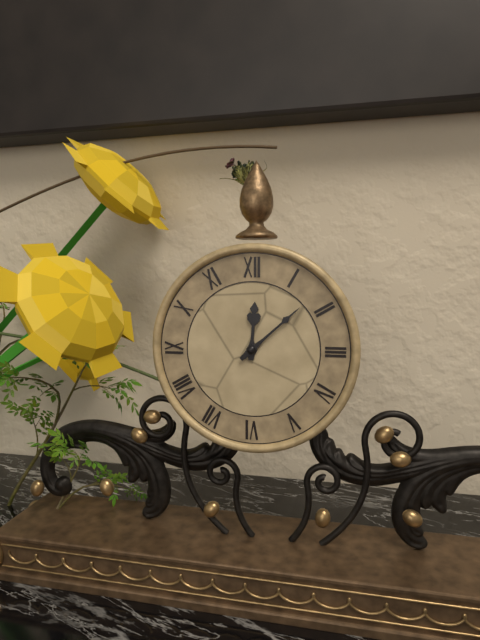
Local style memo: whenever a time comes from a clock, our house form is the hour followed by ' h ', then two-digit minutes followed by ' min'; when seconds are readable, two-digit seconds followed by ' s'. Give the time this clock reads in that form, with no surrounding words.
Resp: 12 h 08 min
